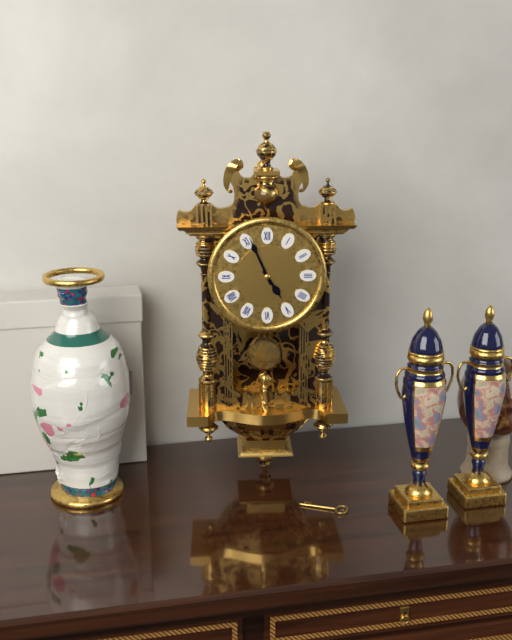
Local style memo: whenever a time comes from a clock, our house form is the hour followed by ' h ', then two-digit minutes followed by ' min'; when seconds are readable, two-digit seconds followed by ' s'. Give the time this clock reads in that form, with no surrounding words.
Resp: 4 h 56 min
